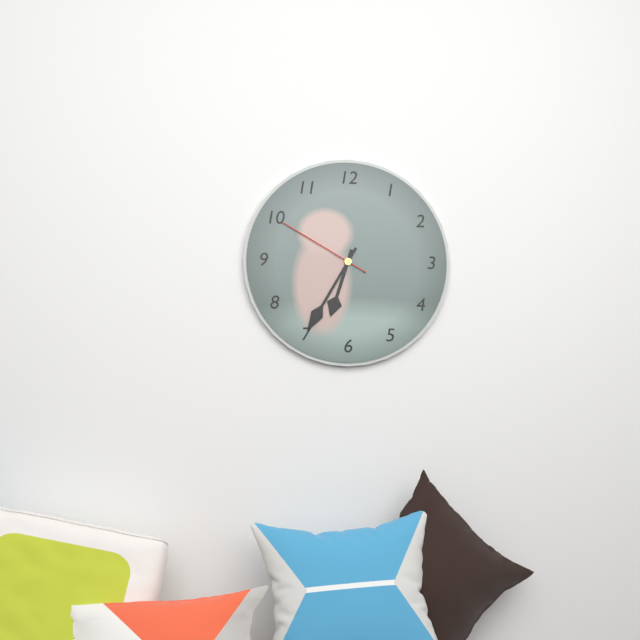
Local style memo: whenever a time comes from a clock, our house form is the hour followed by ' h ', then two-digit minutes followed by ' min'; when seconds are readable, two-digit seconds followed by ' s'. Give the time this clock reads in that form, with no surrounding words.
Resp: 6 h 35 min 50 s
